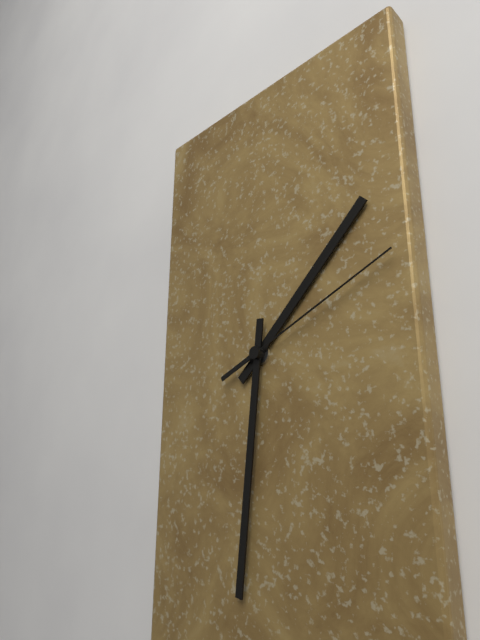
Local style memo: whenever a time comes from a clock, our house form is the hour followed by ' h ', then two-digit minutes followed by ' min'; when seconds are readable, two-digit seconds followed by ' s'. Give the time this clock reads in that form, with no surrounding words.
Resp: 1 h 31 min 11 s
